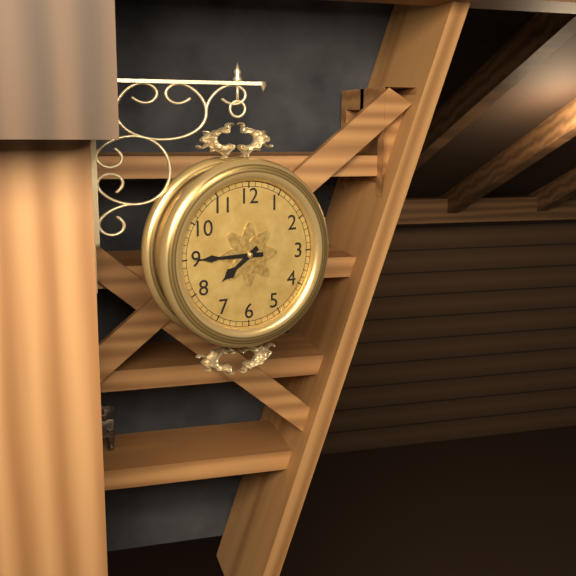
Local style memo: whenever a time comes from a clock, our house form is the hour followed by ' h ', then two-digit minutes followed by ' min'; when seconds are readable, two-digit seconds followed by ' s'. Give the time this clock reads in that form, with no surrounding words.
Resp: 7 h 45 min
